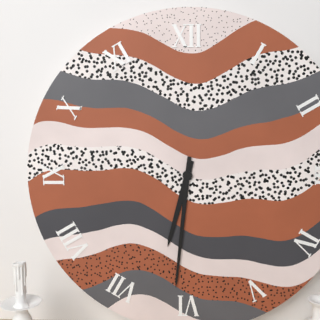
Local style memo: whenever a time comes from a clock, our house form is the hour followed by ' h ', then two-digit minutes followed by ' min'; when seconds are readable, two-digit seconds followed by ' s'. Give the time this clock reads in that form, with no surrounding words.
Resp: 6 h 31 min
